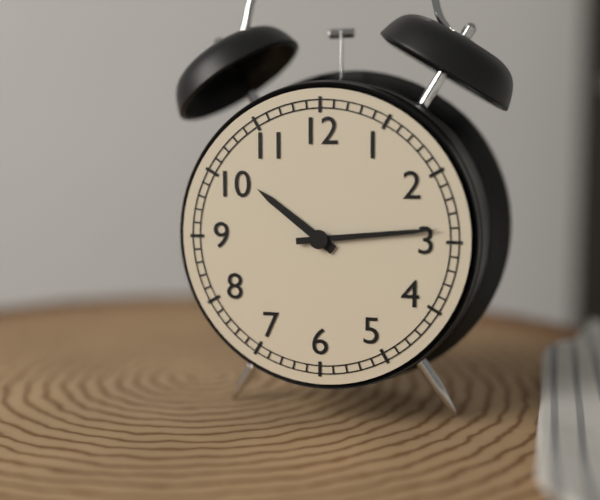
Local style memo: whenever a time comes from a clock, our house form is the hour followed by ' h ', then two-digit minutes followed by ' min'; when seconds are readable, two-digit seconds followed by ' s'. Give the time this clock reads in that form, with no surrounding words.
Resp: 10 h 14 min
